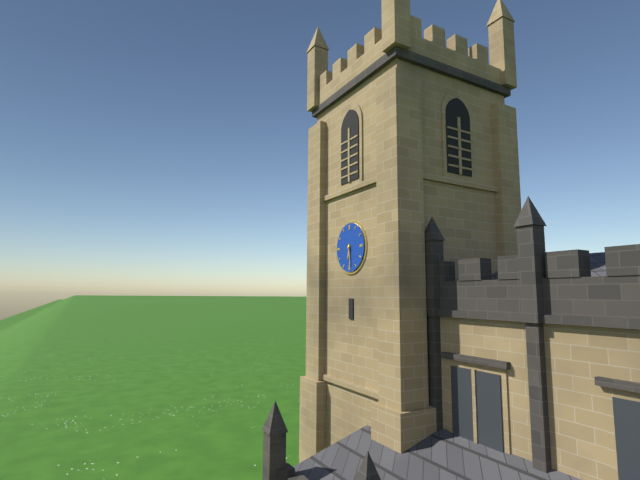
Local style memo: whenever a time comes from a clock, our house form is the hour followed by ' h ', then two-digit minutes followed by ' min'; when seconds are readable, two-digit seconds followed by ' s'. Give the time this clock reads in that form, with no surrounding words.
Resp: 6 h 29 min
